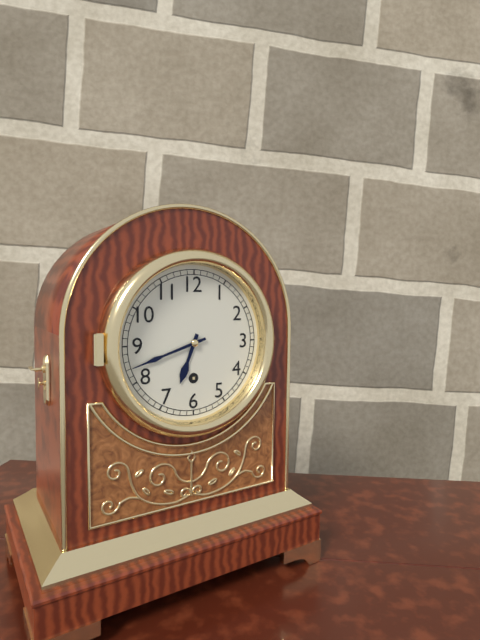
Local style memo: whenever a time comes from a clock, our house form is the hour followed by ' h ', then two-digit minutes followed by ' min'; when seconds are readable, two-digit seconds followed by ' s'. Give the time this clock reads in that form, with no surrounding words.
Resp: 6 h 42 min
